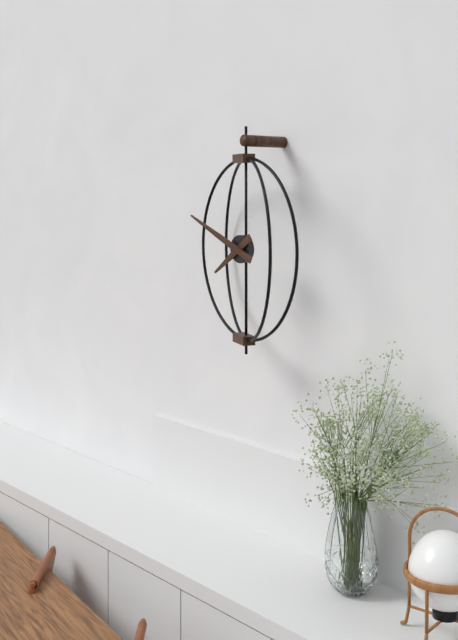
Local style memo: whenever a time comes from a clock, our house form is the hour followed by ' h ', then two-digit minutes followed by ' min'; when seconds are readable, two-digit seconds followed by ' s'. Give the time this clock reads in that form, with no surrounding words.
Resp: 7 h 49 min
